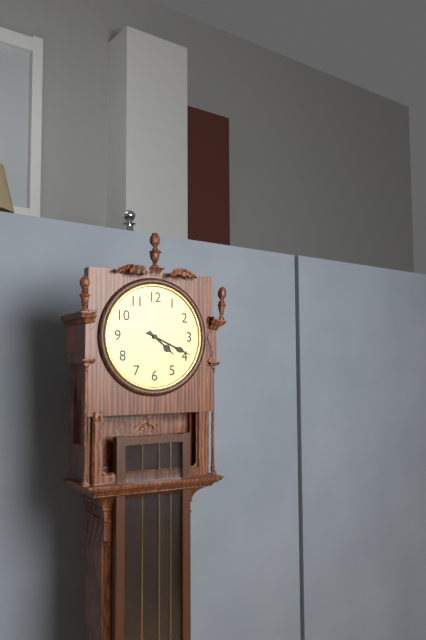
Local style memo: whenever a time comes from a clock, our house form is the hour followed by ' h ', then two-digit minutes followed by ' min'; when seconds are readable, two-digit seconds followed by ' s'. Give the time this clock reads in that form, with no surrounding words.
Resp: 4 h 19 min
